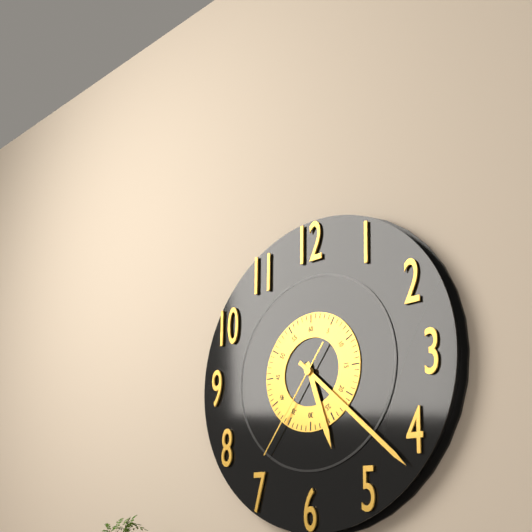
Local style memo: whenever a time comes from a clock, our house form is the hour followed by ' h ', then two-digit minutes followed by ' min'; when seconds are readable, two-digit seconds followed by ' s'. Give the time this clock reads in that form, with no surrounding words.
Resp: 5 h 22 min 36 s
